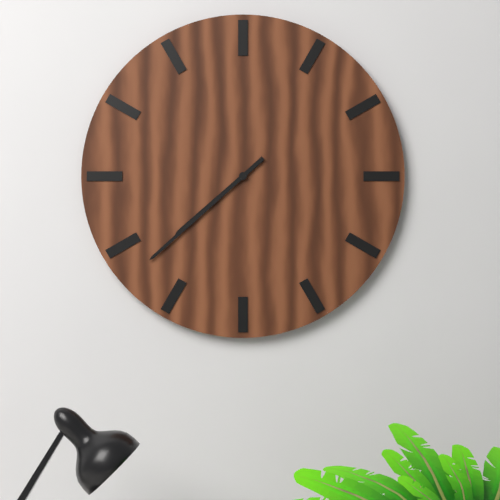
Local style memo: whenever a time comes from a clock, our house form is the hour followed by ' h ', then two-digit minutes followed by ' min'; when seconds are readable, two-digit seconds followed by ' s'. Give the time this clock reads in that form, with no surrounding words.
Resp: 7 h 38 min
